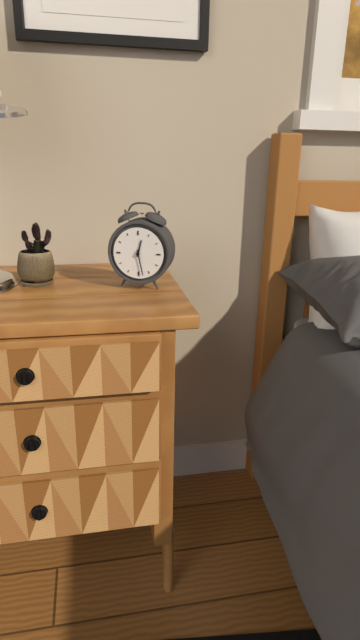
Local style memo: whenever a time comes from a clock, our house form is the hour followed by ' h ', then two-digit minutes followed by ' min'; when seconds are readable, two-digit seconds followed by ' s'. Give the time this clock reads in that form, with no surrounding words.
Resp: 12 h 28 min
